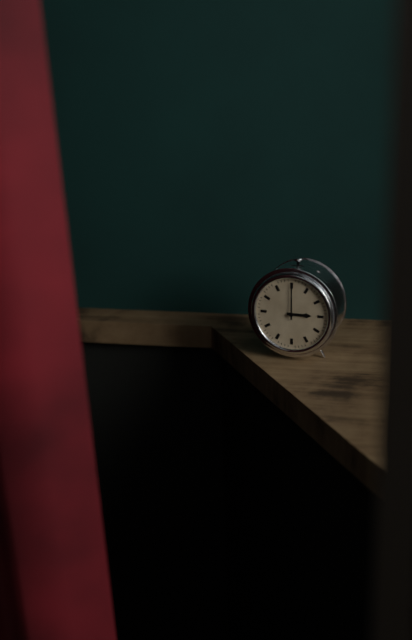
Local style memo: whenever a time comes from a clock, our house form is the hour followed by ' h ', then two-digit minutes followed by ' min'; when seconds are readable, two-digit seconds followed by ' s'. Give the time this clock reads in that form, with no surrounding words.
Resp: 3 h 00 min
